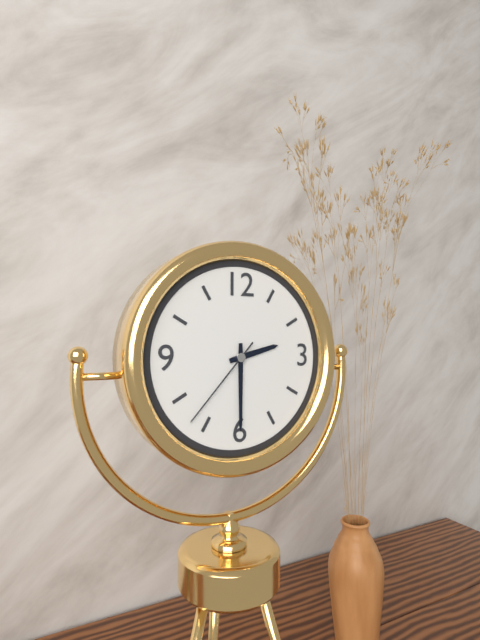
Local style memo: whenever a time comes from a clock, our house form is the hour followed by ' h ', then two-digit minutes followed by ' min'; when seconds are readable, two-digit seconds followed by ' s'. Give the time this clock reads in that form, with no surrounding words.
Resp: 2 h 30 min 37 s
